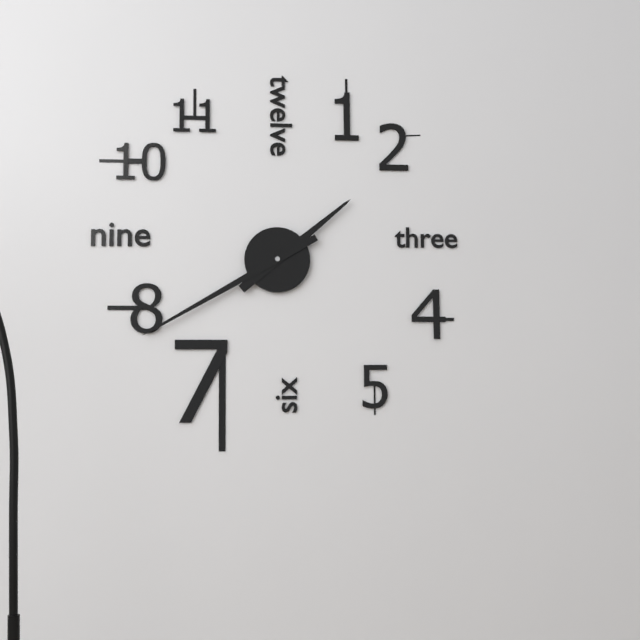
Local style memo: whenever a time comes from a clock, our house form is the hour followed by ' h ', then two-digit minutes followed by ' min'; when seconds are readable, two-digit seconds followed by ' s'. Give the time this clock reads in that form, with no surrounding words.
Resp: 1 h 40 min
